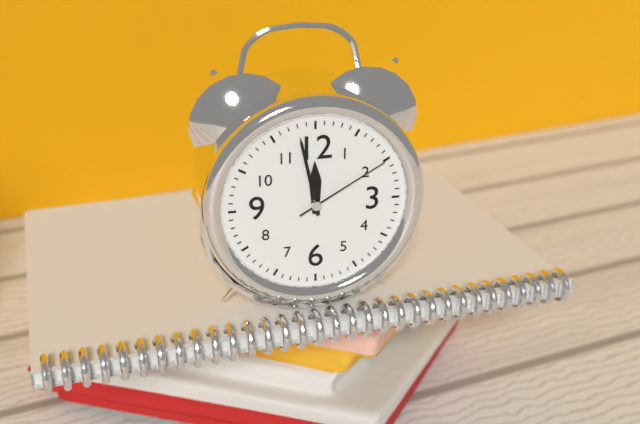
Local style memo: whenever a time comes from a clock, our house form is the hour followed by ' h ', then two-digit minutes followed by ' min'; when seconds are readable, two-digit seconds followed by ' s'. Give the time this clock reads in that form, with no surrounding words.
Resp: 11 h 58 min 10 s
